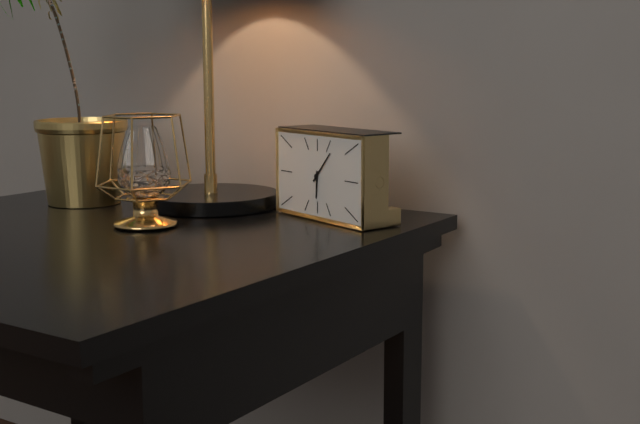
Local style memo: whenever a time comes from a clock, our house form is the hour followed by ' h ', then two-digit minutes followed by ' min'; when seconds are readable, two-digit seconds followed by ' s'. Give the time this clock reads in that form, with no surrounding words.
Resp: 6 h 07 min
